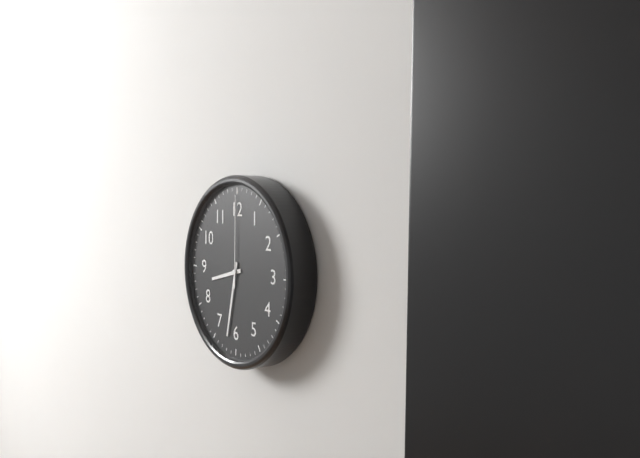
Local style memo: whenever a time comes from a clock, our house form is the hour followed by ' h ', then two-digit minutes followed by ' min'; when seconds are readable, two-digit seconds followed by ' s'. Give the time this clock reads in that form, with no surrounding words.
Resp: 8 h 32 min 00 s
